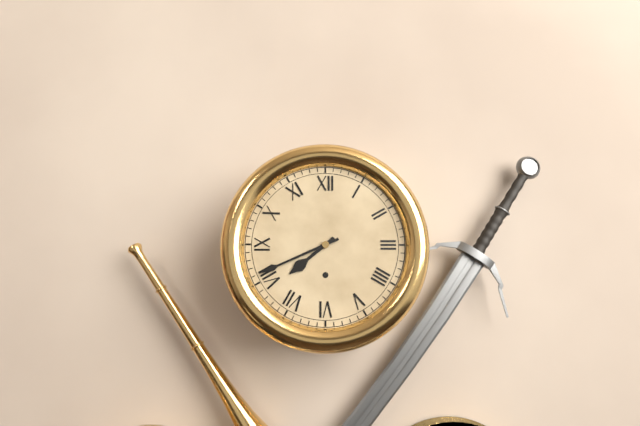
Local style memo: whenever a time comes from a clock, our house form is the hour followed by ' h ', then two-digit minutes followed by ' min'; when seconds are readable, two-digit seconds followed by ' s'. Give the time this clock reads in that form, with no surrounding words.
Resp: 7 h 41 min
